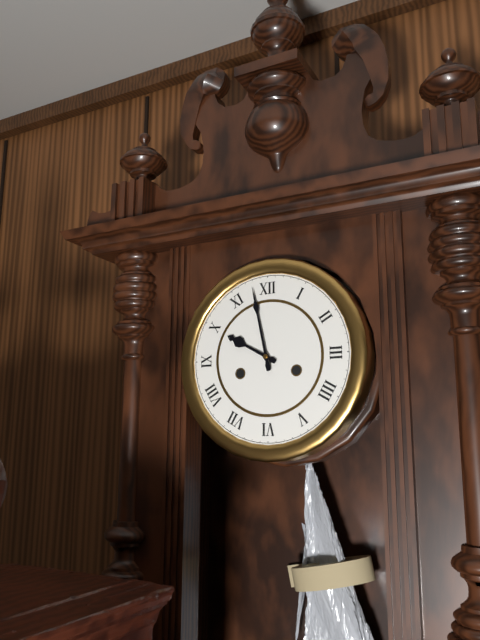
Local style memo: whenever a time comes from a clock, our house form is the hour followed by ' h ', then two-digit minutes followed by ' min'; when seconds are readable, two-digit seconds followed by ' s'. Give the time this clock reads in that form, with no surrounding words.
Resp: 9 h 58 min
